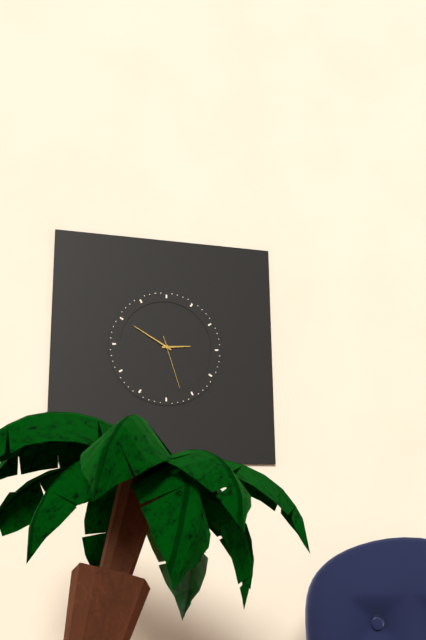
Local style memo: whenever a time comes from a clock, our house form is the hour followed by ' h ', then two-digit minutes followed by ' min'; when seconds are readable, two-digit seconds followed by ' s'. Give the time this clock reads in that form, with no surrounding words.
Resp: 2 h 50 min 27 s
